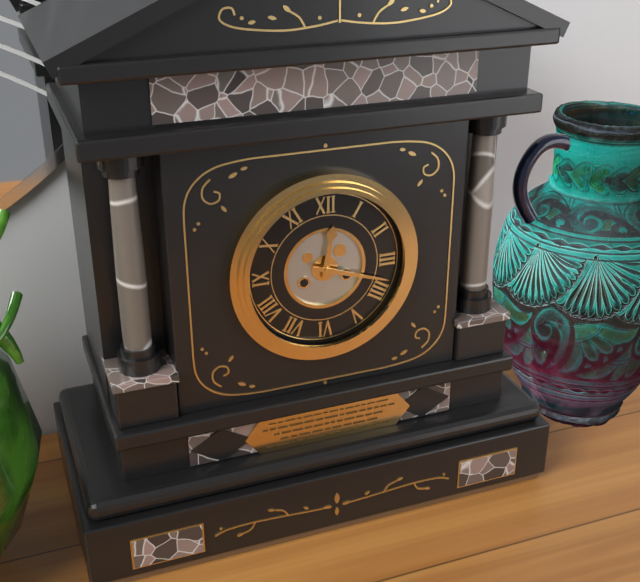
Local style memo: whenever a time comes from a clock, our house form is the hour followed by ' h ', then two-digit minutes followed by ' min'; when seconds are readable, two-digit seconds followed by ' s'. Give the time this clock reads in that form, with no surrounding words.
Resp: 12 h 18 min
